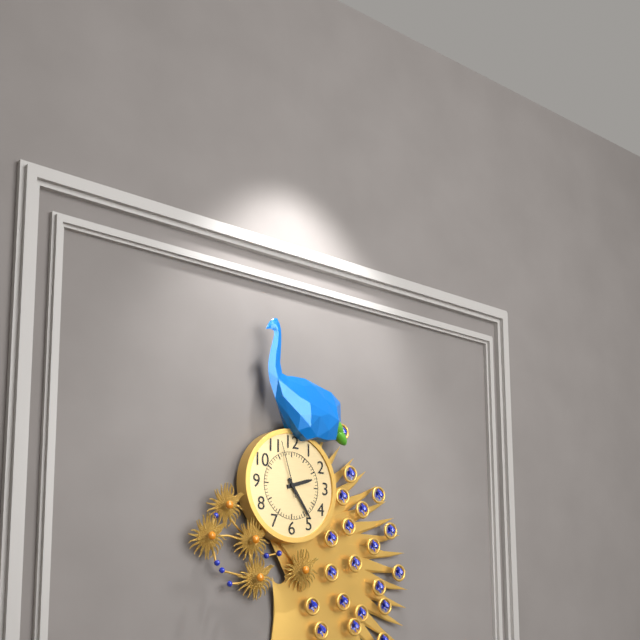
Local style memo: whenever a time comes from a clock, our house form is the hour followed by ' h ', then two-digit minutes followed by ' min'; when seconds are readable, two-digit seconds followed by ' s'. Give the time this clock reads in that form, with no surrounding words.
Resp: 2 h 24 min 57 s
